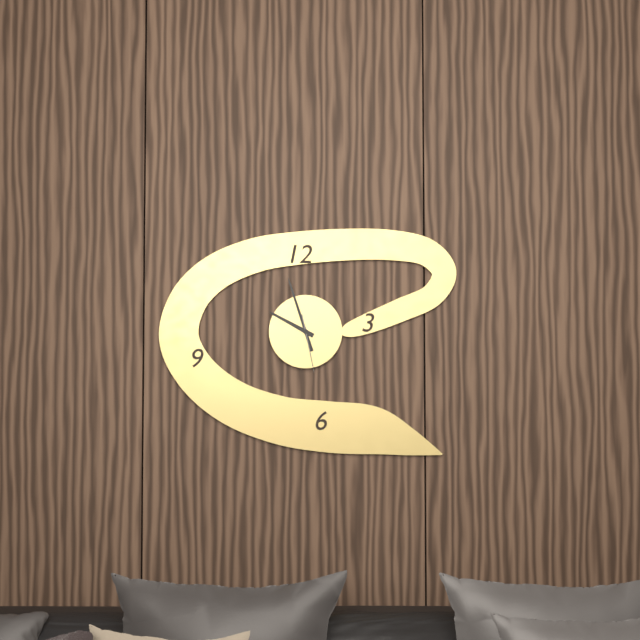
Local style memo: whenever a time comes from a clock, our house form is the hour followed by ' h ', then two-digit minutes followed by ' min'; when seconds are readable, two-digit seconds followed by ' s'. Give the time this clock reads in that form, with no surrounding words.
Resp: 9 h 57 min 28 s
